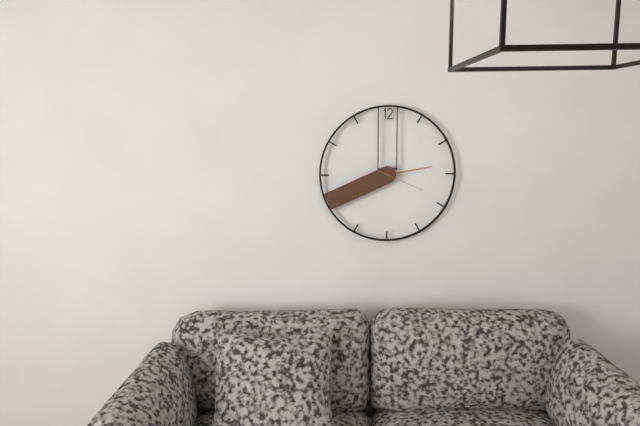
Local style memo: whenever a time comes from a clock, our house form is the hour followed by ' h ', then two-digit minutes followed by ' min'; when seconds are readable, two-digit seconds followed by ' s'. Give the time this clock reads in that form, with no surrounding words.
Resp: 2 h 41 min
